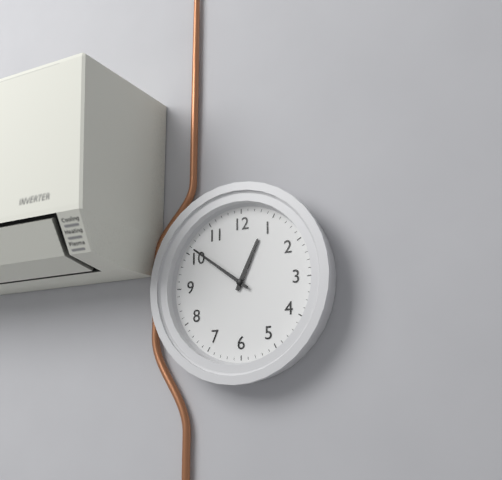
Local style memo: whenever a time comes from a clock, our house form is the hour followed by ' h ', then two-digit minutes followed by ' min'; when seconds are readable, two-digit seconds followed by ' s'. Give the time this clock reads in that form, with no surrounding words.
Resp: 12 h 51 min
